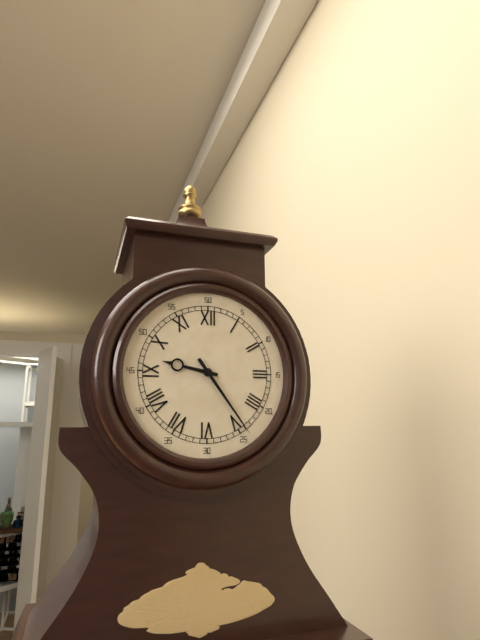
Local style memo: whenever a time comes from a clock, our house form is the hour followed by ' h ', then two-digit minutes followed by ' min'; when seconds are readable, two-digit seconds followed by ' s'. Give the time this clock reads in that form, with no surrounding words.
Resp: 9 h 24 min
